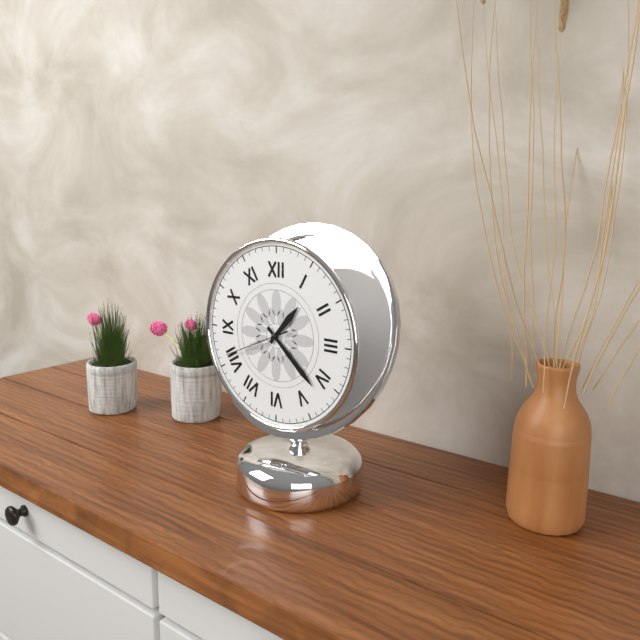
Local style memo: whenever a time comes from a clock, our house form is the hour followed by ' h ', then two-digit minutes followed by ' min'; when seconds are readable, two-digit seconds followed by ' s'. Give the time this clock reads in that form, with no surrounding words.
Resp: 1 h 22 min 41 s
